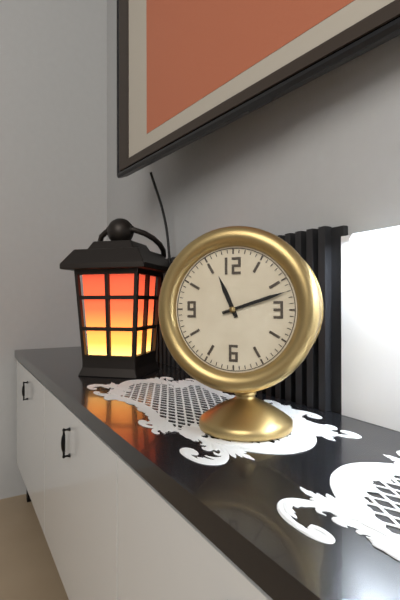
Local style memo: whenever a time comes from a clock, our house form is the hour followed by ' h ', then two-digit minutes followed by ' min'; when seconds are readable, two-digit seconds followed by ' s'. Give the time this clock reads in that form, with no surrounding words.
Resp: 11 h 12 min
